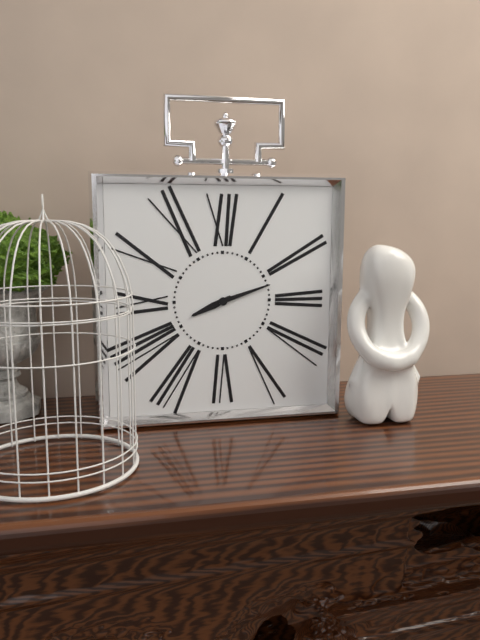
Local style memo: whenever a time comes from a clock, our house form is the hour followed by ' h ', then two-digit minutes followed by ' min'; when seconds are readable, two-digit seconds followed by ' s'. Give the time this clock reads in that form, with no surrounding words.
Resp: 8 h 12 min
